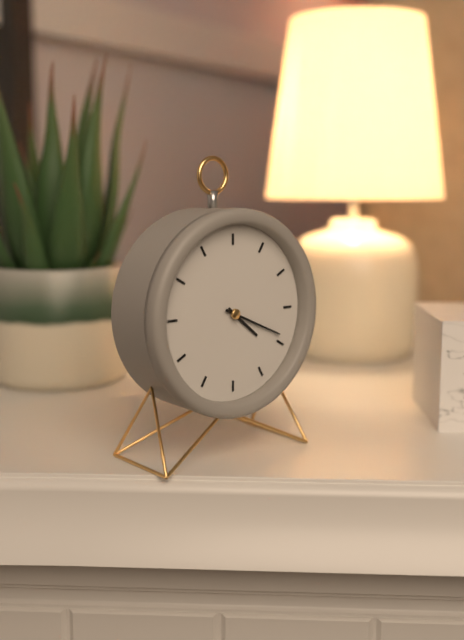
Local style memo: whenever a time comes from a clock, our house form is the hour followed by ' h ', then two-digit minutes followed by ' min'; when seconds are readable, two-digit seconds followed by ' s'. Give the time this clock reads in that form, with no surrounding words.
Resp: 4 h 19 min
